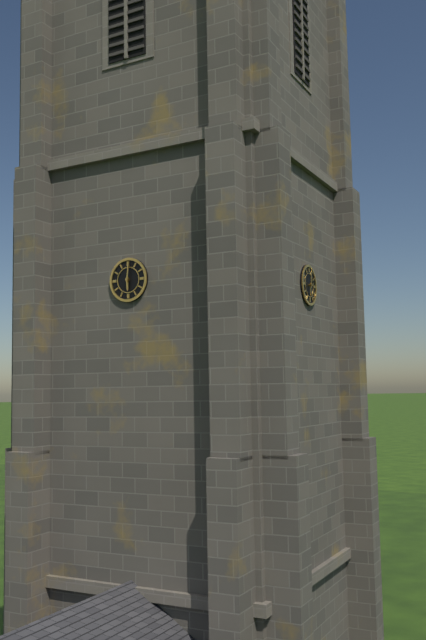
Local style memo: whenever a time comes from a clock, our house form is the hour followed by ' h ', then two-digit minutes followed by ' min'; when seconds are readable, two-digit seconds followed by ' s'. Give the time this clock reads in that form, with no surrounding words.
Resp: 6 h 01 min
